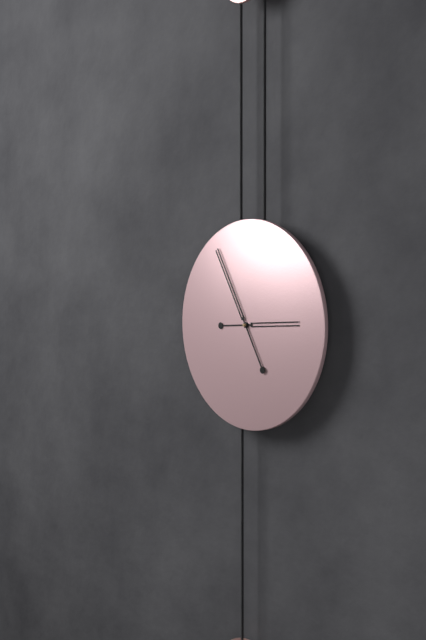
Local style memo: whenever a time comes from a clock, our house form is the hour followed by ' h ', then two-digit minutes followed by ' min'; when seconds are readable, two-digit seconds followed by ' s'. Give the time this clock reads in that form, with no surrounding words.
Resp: 2 h 55 min
